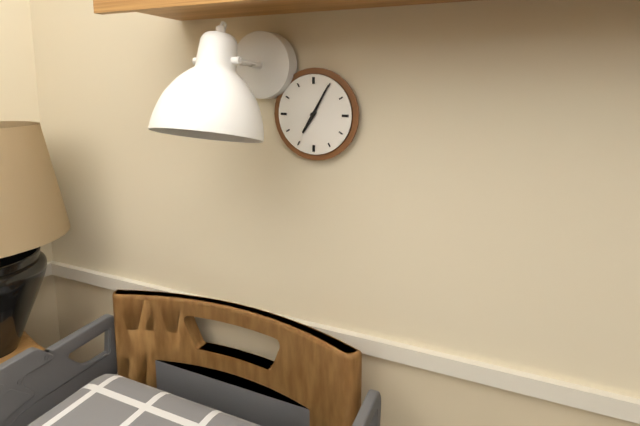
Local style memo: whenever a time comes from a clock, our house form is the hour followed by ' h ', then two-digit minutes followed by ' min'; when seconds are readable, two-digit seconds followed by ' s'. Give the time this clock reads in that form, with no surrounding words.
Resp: 7 h 05 min
